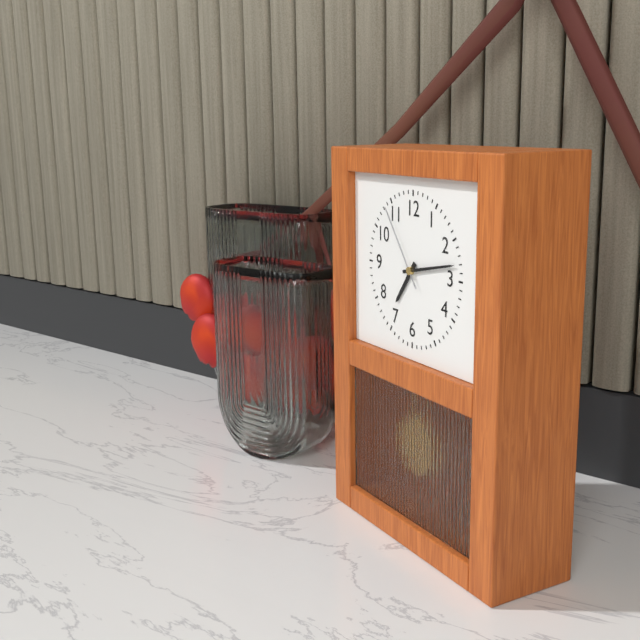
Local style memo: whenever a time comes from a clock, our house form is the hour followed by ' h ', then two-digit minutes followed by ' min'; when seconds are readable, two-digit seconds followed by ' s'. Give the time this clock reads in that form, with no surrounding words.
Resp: 7 h 13 min 54 s
